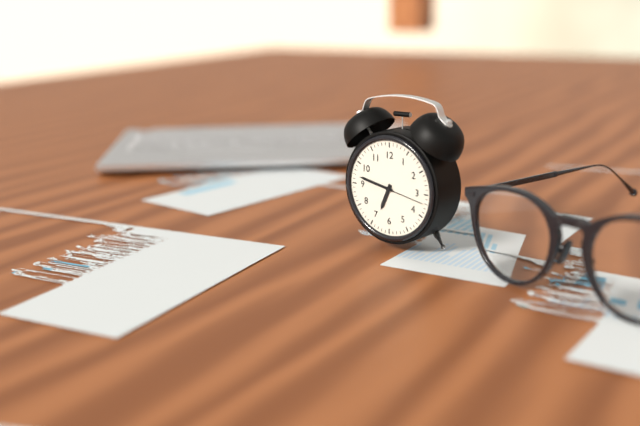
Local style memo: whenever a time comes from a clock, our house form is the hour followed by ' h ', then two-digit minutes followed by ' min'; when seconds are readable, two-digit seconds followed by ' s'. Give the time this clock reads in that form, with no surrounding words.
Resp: 6 h 47 min
